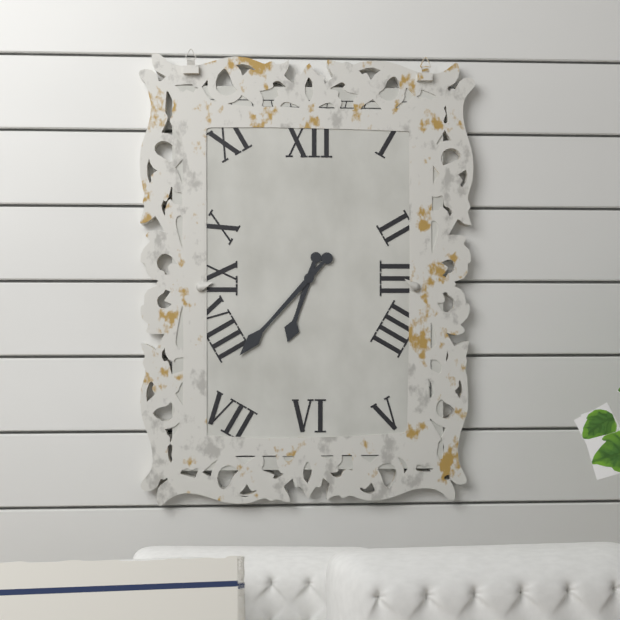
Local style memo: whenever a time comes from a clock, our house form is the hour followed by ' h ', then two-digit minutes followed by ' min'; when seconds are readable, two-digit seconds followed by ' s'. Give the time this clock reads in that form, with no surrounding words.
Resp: 6 h 37 min
